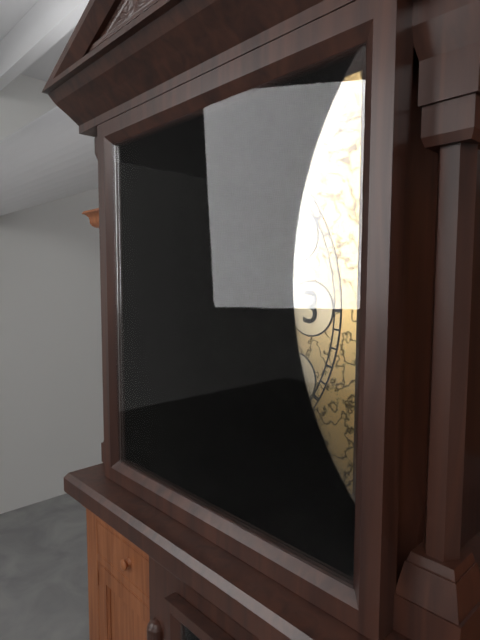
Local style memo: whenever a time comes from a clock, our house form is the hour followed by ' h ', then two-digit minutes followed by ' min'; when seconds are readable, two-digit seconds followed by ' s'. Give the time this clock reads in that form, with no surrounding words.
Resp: 2 h 09 min
